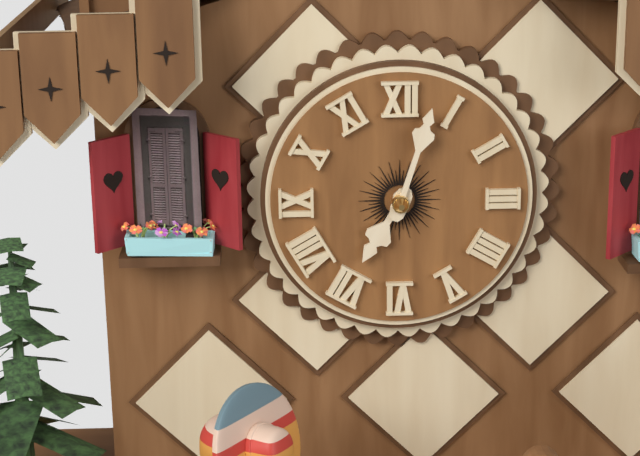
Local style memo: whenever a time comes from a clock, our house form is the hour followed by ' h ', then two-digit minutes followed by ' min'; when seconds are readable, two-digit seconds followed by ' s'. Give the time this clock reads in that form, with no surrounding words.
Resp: 7 h 03 min
